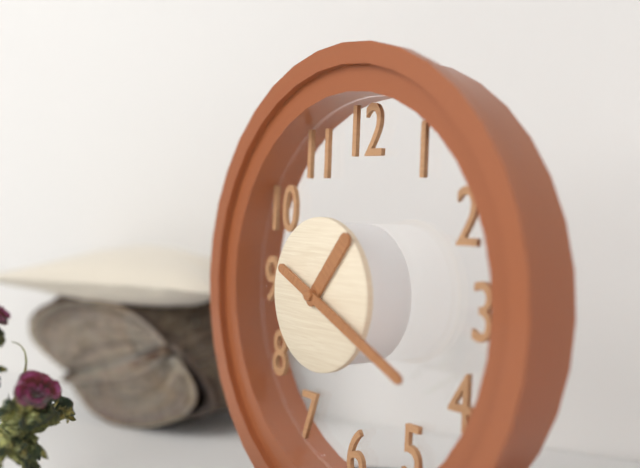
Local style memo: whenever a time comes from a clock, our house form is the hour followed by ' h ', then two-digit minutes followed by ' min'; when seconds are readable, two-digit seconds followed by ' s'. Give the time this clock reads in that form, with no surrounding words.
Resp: 1 h 19 min
